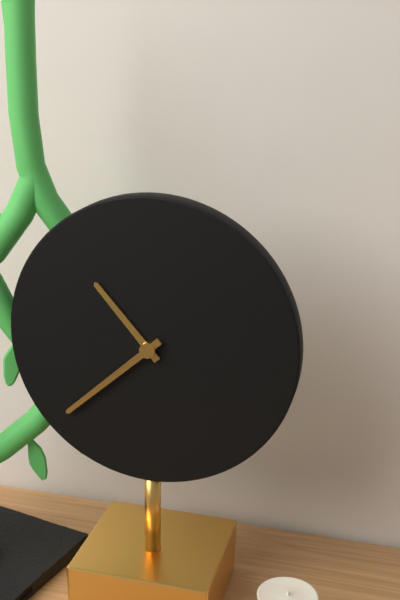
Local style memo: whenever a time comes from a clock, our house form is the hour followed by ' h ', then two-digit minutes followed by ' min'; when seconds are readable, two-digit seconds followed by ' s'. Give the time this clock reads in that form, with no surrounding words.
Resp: 10 h 38 min
